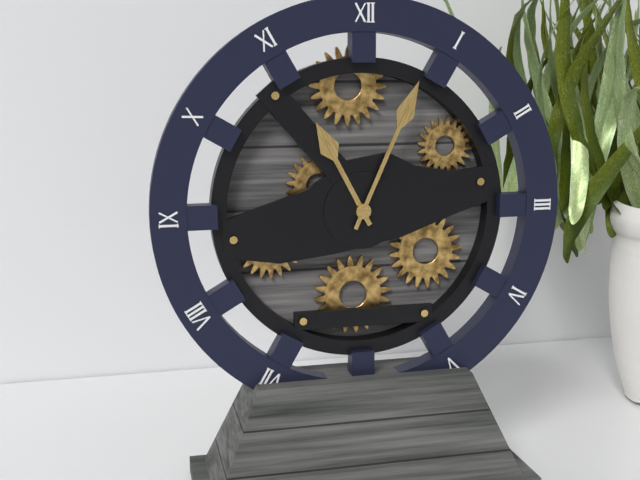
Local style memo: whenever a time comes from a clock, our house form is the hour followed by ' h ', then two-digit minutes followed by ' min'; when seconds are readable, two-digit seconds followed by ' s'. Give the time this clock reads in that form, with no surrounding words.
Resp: 11 h 04 min
